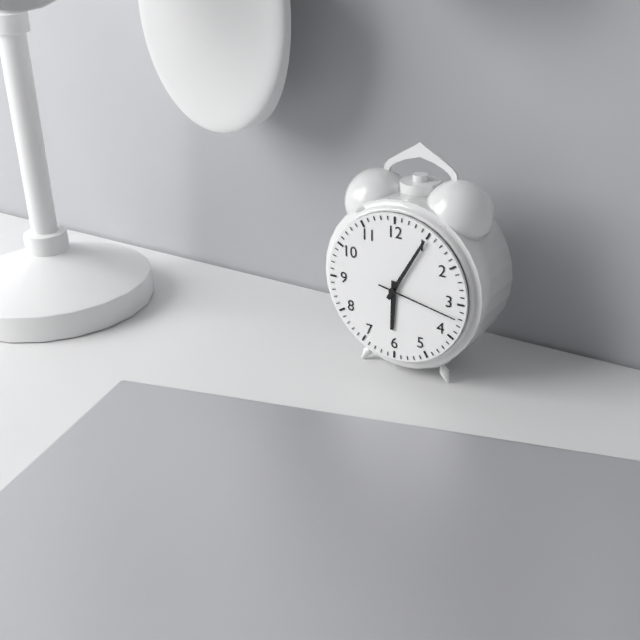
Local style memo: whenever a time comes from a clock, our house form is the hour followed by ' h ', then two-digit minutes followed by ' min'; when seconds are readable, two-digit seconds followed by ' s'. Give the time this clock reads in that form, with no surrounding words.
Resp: 6 h 05 min 17 s
